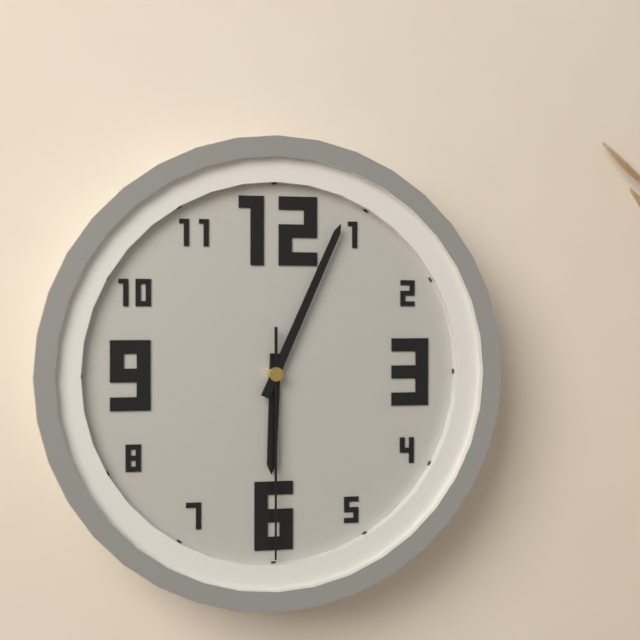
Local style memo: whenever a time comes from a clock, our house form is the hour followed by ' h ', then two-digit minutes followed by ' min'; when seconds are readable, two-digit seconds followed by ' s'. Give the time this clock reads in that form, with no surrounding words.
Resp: 6 h 04 min 30 s
